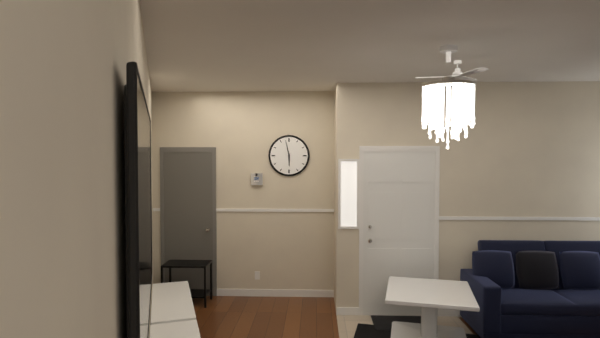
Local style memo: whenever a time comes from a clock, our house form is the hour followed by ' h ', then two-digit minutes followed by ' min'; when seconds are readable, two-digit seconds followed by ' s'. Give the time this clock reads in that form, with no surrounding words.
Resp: 5 h 58 min
